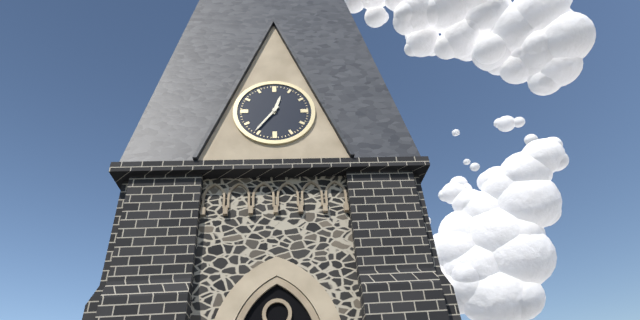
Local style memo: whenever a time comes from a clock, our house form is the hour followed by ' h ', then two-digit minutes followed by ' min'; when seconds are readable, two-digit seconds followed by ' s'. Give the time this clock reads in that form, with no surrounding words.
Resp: 12 h 36 min
